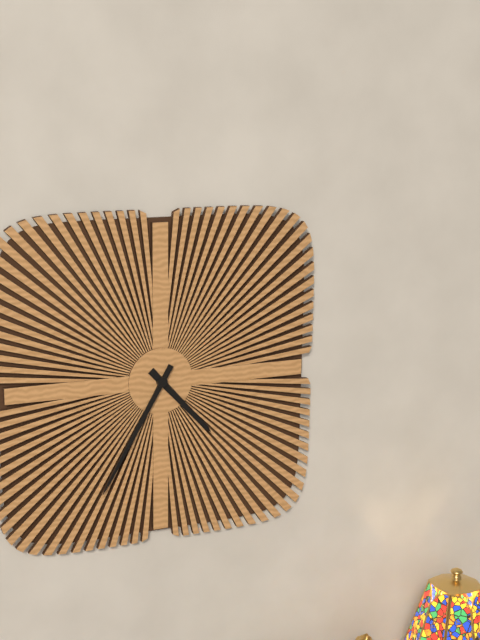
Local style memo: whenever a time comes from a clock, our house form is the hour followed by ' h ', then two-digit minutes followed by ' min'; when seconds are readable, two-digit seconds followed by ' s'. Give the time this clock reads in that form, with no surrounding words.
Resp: 4 h 35 min
